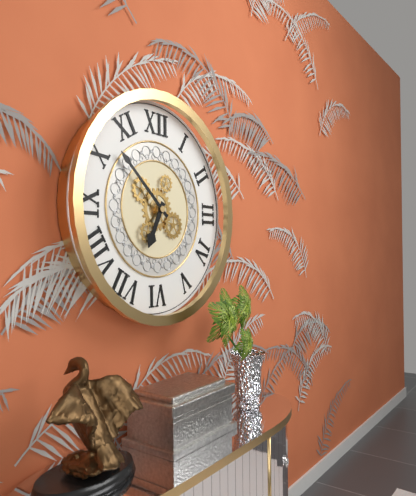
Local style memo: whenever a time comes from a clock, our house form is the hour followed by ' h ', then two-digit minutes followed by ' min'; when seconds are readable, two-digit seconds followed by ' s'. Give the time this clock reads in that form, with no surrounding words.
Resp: 6 h 52 min
